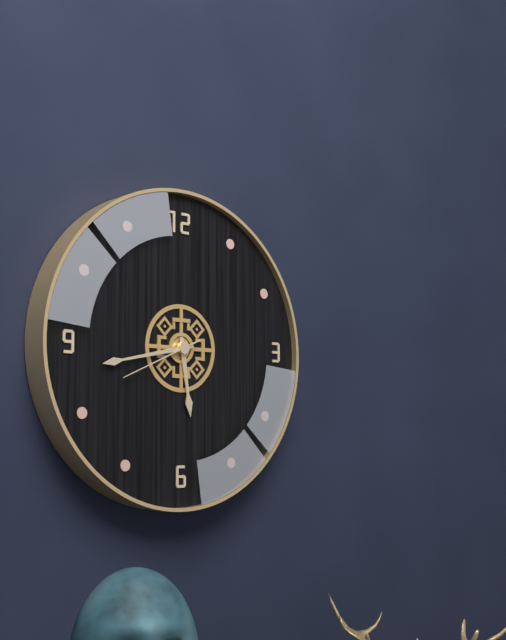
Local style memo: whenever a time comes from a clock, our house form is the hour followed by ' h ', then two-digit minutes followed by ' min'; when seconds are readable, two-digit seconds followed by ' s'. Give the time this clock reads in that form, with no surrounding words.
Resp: 5 h 43 min 41 s
